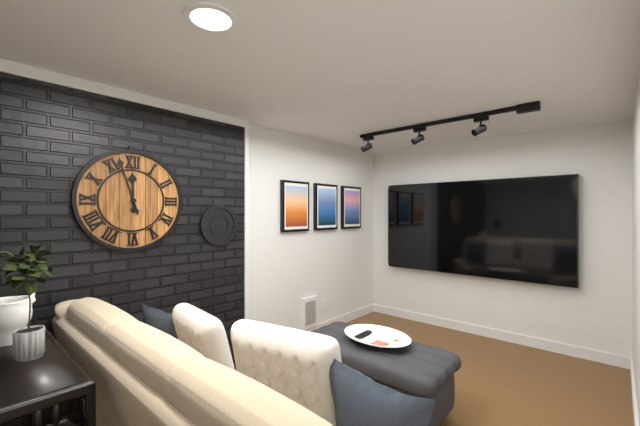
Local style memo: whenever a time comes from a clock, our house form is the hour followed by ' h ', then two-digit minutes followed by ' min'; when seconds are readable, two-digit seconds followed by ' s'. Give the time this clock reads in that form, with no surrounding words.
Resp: 11 h 57 min
